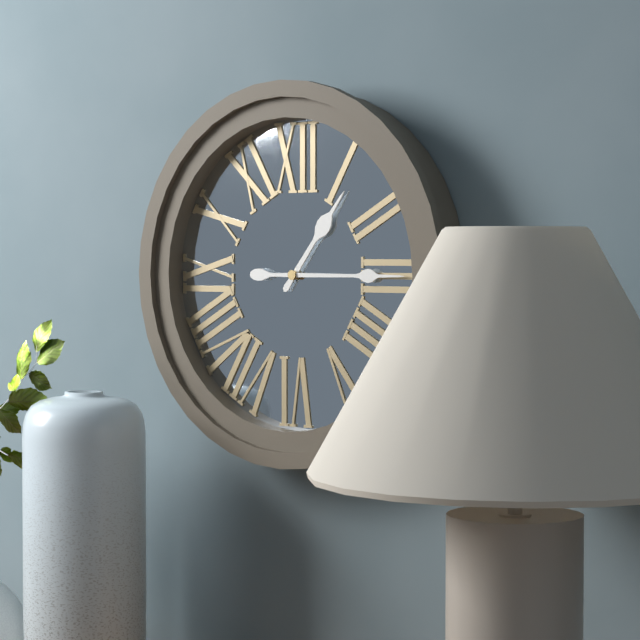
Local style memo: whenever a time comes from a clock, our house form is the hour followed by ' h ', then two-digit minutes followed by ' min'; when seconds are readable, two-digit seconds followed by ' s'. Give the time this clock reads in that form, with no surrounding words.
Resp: 1 h 15 min
